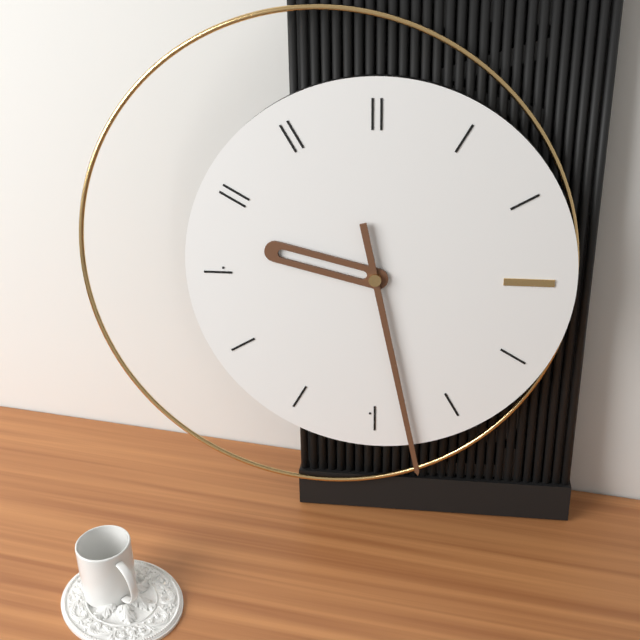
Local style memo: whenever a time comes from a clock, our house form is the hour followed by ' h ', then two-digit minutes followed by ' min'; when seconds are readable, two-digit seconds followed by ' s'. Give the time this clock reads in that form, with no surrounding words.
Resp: 9 h 28 min
